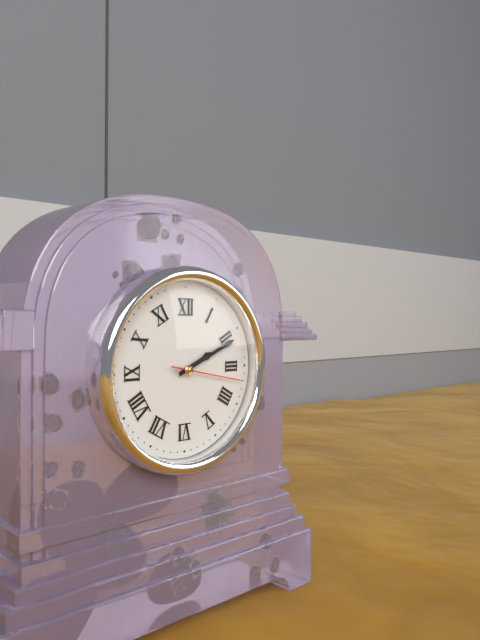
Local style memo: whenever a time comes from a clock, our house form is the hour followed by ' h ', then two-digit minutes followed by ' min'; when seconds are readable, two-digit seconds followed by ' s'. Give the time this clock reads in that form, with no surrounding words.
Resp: 2 h 11 min 17 s
